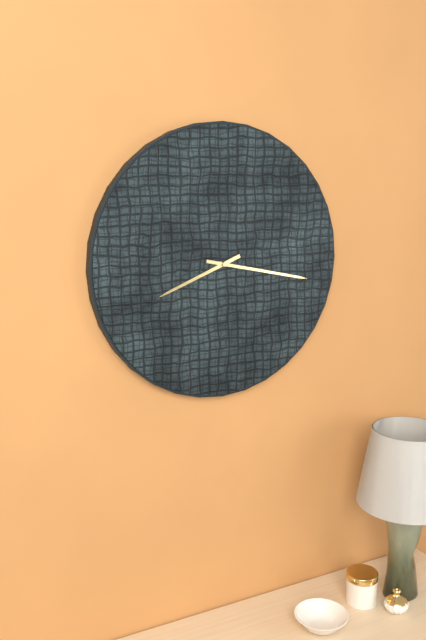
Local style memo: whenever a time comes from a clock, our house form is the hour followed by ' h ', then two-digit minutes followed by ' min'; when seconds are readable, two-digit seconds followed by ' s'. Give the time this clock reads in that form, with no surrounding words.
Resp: 8 h 17 min
